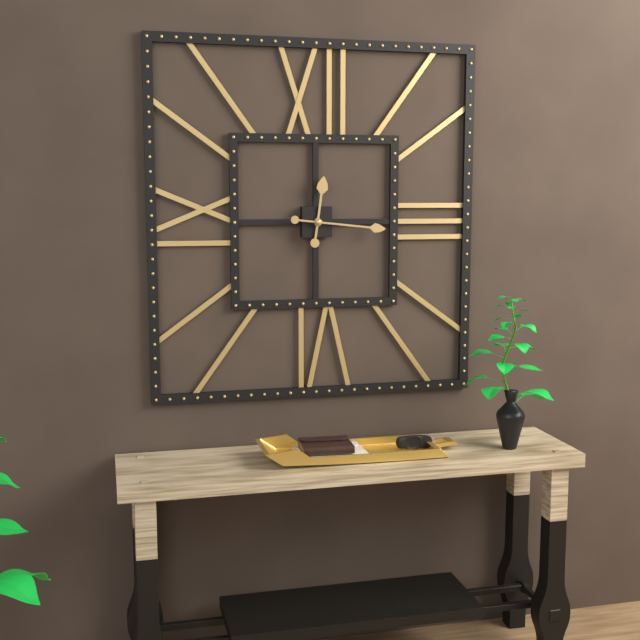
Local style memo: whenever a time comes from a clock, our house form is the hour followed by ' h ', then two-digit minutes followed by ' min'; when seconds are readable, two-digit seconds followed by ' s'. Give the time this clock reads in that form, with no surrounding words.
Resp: 12 h 16 min
